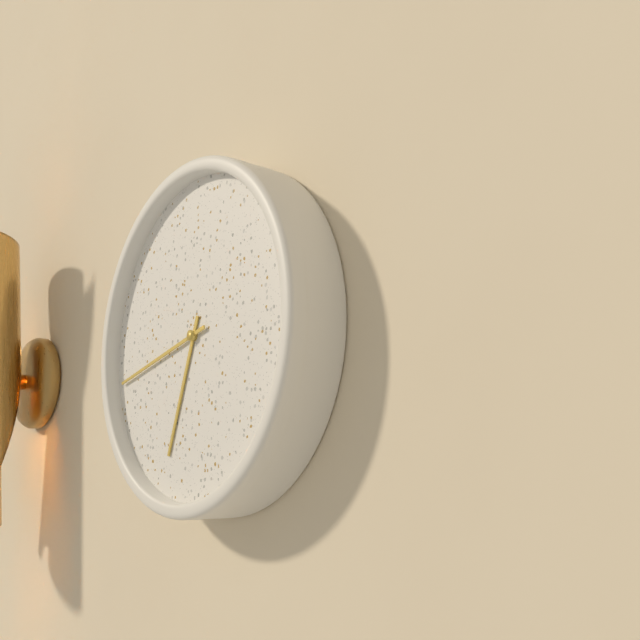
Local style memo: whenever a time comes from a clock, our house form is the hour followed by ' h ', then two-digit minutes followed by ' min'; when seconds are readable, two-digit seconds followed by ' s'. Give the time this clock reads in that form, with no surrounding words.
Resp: 6 h 43 min
